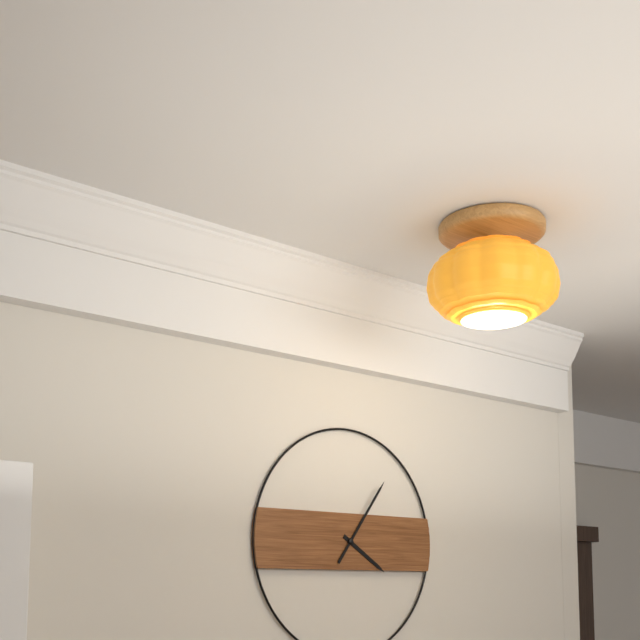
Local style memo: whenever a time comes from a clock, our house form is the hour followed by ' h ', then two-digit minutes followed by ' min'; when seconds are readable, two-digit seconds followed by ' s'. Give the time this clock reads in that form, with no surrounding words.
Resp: 4 h 06 min
